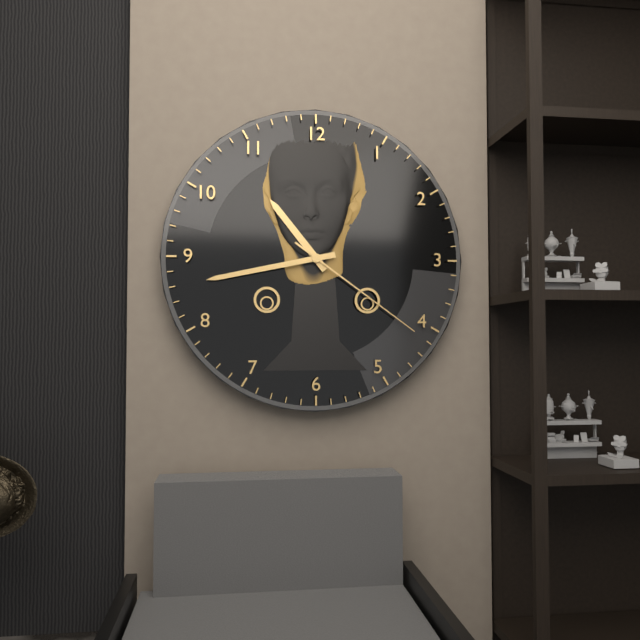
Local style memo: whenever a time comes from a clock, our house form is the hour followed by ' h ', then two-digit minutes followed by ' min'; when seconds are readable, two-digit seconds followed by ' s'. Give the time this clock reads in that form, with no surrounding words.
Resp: 10 h 43 min 21 s
